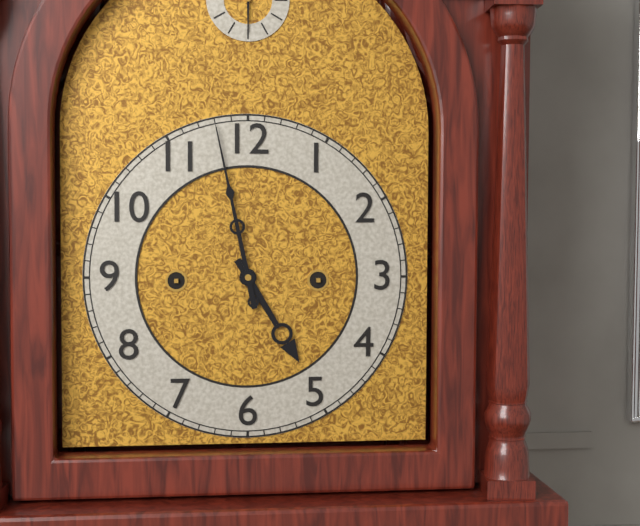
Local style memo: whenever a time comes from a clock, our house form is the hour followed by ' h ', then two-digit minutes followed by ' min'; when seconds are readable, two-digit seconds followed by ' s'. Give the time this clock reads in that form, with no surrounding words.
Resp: 4 h 58 min
